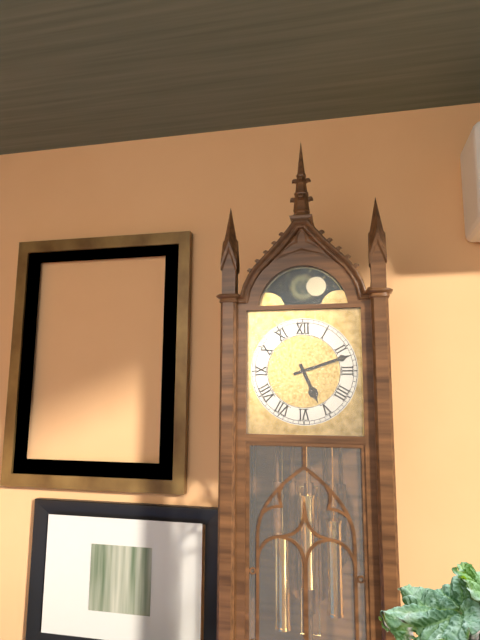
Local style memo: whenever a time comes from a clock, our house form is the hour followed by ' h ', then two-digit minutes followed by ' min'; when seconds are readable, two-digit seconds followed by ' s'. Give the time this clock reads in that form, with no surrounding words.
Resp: 5 h 12 min
